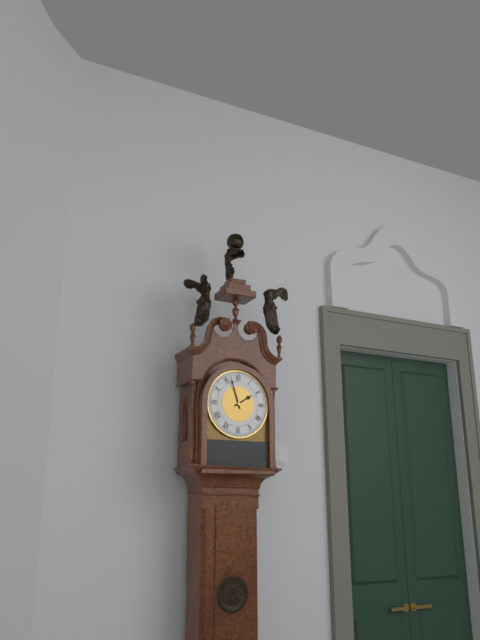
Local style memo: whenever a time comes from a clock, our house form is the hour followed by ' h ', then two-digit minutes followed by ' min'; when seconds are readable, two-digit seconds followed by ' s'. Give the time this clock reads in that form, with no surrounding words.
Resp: 1 h 57 min
